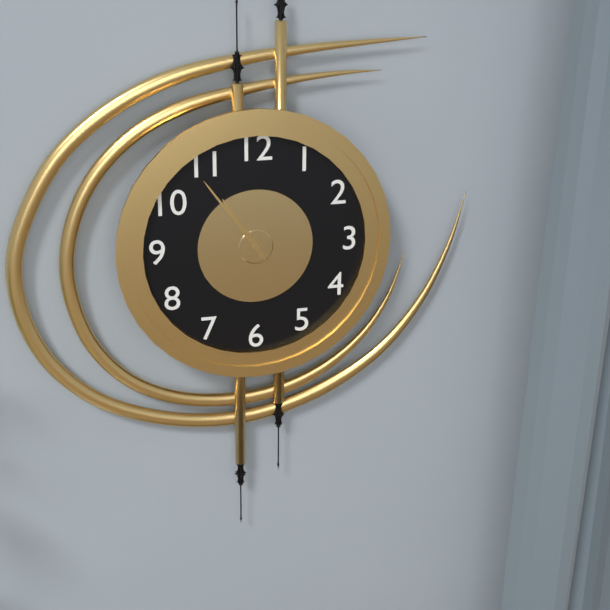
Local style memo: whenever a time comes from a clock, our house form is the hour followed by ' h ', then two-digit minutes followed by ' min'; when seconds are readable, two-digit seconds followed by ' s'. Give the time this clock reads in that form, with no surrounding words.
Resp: 10 h 54 min
